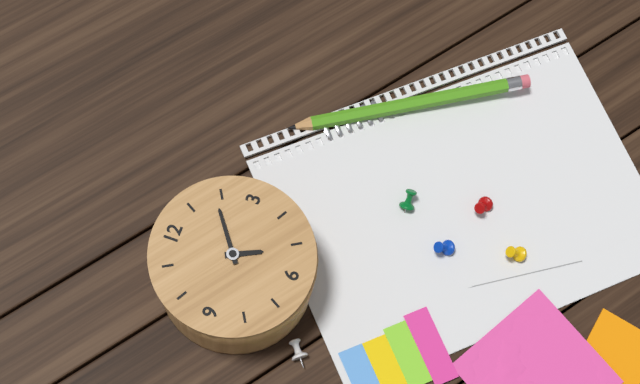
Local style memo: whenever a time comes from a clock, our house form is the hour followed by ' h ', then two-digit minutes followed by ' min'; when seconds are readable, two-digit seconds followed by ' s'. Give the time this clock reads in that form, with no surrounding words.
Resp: 5 h 09 min
